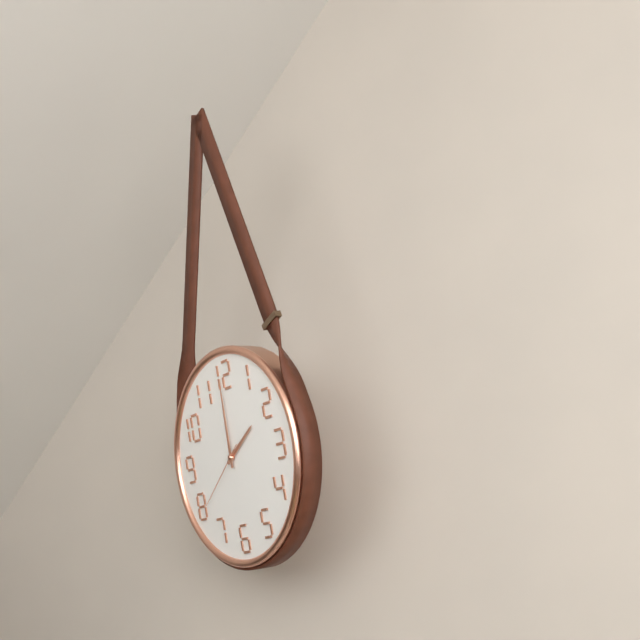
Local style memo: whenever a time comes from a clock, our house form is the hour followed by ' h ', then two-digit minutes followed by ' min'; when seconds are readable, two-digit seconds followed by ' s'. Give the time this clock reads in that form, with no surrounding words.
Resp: 2 h 00 min 39 s
